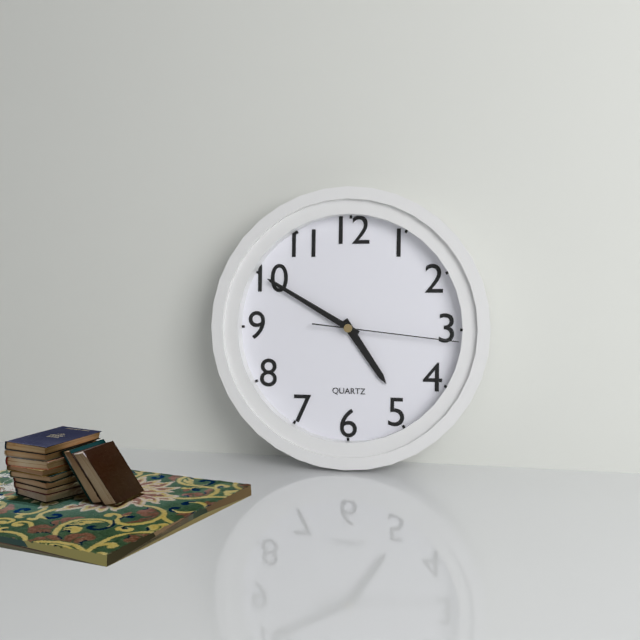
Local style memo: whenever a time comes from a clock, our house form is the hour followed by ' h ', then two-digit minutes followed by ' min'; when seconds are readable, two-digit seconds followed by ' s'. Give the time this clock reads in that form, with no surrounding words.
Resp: 4 h 50 min 16 s
